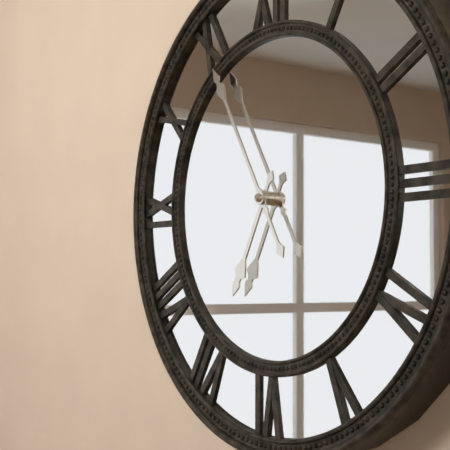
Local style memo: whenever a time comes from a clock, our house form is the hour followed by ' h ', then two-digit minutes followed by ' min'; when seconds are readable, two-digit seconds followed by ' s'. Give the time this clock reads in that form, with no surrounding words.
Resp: 6 h 55 min
